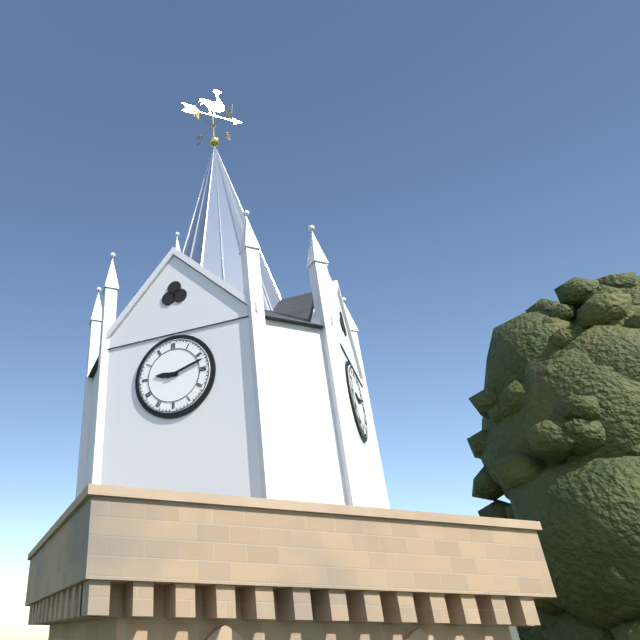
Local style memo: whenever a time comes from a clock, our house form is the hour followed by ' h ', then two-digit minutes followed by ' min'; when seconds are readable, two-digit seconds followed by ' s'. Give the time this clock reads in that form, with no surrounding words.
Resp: 9 h 12 min
